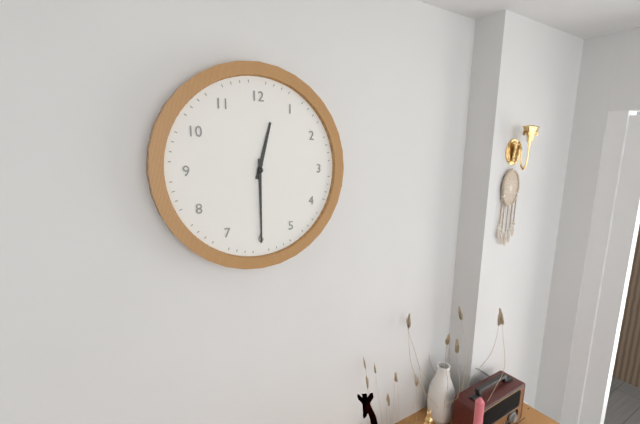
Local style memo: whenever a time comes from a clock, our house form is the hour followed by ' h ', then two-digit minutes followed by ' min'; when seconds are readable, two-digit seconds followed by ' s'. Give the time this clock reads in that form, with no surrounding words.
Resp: 12 h 30 min
